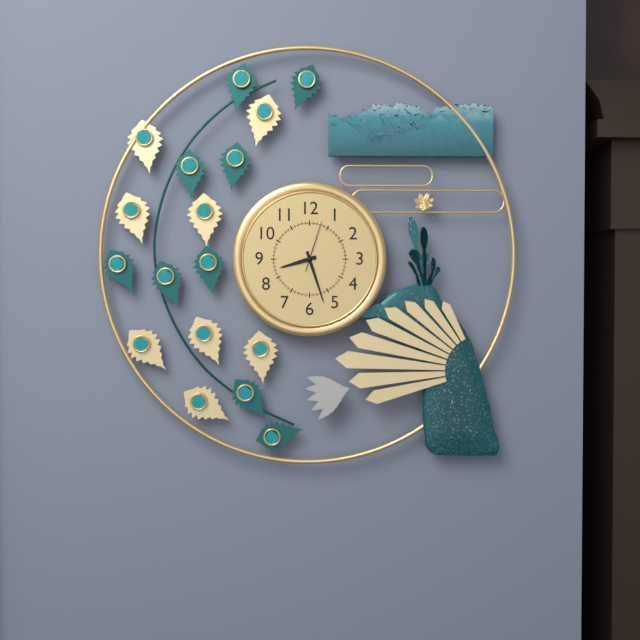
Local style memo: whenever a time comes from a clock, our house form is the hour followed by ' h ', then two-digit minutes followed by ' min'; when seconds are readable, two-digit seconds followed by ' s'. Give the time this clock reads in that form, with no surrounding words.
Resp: 8 h 27 min 03 s
